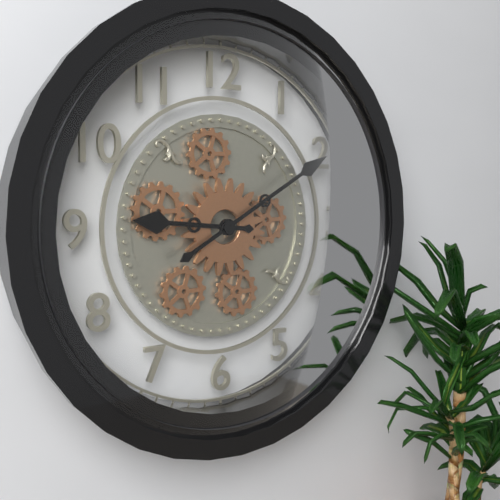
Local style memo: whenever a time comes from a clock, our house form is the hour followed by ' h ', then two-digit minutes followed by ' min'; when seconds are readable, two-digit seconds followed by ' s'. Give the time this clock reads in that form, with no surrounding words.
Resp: 9 h 10 min
